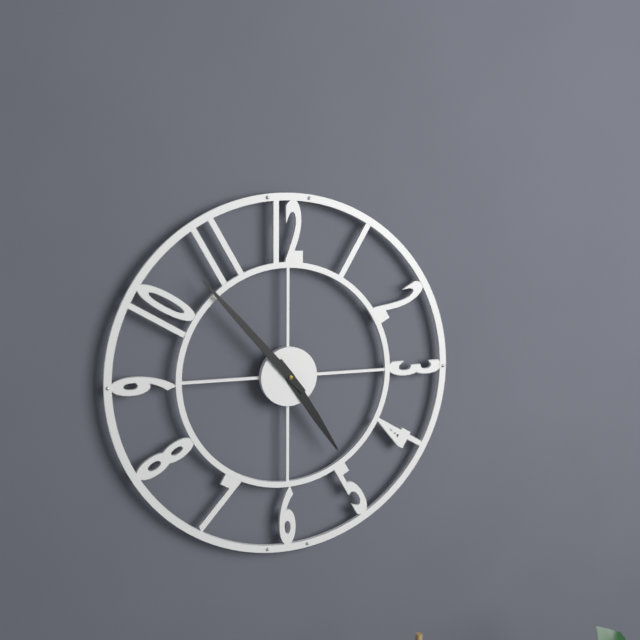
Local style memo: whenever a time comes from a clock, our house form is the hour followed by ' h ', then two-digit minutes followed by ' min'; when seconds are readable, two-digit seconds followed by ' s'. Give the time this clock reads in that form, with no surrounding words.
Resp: 4 h 53 min
